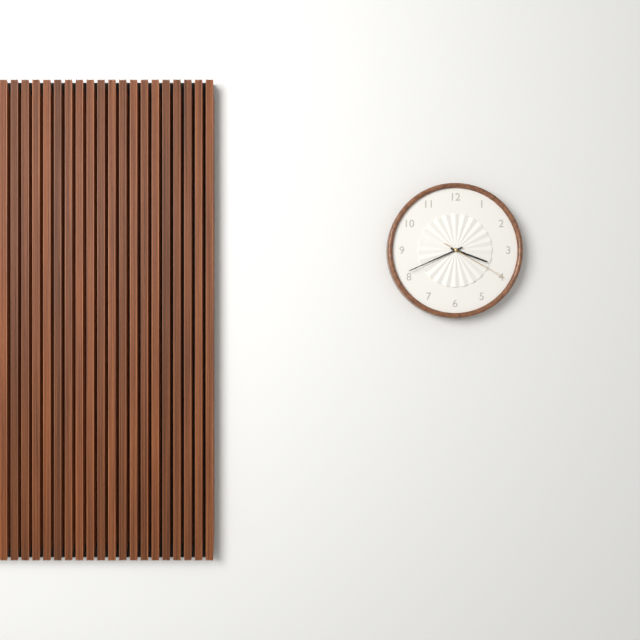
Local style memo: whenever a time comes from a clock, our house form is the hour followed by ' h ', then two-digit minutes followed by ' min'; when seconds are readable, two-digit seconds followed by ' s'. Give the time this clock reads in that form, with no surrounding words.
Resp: 3 h 41 min 20 s
